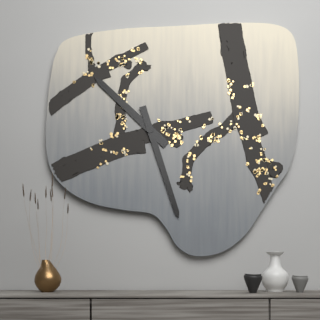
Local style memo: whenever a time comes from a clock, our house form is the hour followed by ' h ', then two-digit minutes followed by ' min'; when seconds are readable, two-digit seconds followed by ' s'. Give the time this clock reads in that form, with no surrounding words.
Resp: 10 h 27 min
